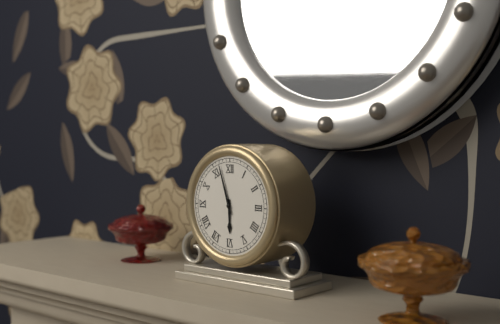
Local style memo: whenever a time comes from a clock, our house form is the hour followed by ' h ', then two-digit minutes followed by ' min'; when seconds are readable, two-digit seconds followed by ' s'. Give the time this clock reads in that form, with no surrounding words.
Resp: 5 h 57 min
